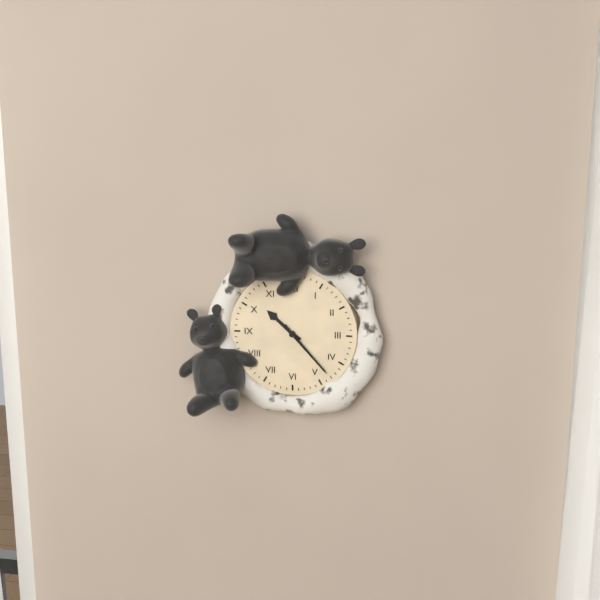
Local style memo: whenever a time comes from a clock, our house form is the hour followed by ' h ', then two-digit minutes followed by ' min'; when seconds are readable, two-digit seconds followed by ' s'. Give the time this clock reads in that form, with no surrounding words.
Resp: 10 h 23 min
